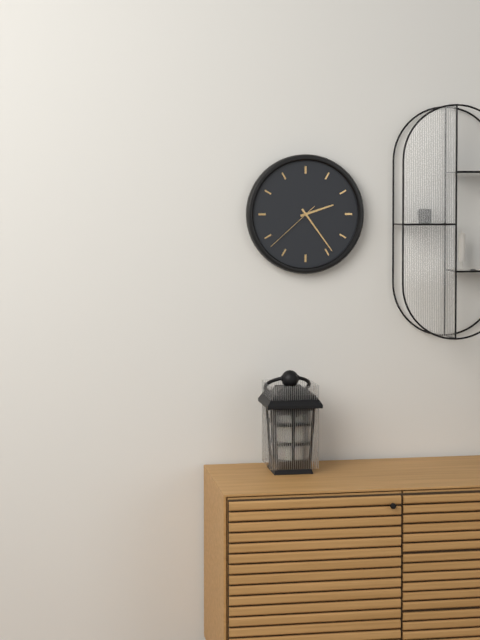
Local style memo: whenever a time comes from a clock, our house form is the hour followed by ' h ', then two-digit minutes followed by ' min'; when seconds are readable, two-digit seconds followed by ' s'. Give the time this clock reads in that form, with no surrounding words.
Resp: 2 h 24 min 38 s
